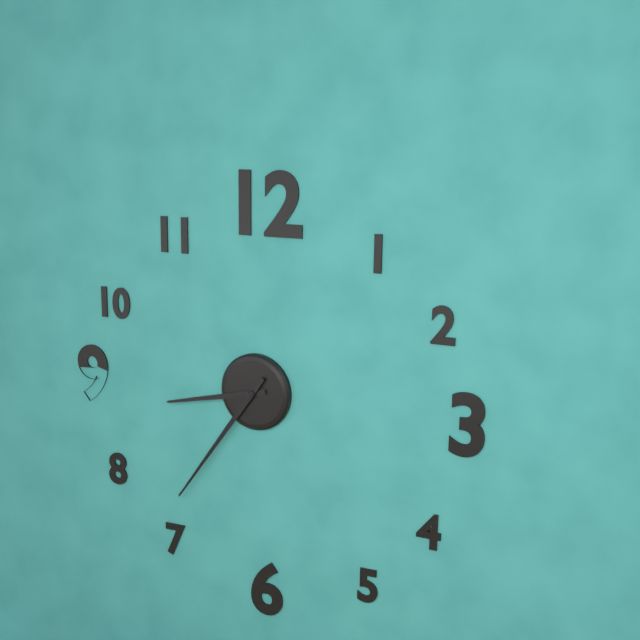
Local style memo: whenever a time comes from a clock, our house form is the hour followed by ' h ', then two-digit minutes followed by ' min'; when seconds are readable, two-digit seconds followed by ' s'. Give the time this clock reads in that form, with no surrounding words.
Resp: 8 h 36 min
